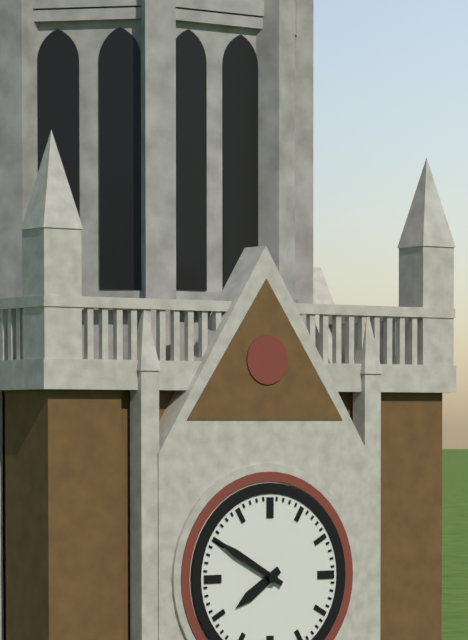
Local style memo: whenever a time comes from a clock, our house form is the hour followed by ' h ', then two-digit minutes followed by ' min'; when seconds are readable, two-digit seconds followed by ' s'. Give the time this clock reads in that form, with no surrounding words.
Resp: 7 h 50 min
